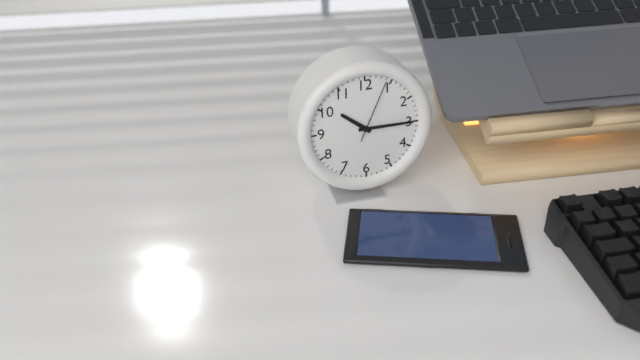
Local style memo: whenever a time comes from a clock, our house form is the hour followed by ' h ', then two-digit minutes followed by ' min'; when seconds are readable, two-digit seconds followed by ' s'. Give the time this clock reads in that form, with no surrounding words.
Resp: 10 h 15 min 04 s
